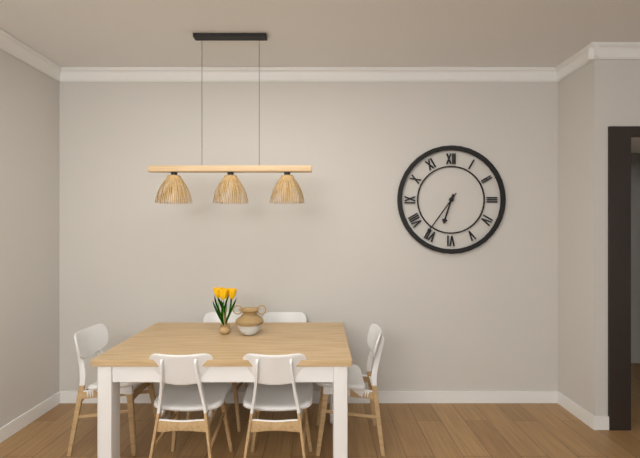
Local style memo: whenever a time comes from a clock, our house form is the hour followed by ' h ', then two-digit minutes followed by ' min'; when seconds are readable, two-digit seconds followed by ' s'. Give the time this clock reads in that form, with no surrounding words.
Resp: 6 h 36 min
